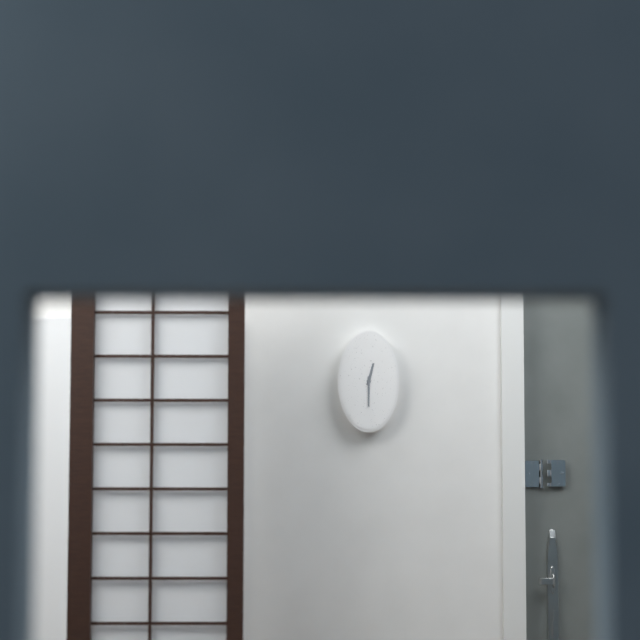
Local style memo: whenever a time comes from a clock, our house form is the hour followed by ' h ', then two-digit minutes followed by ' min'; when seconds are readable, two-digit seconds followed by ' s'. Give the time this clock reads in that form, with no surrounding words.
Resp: 12 h 30 min
